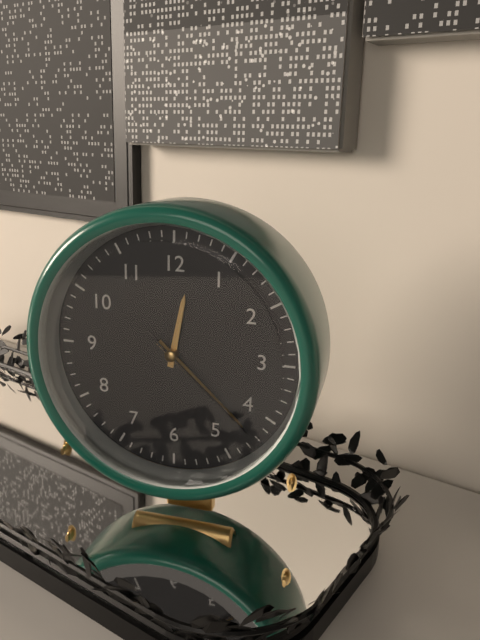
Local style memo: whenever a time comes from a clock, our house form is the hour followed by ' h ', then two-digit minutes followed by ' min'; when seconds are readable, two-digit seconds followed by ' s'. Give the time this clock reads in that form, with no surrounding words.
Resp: 12 h 22 min 22 s
